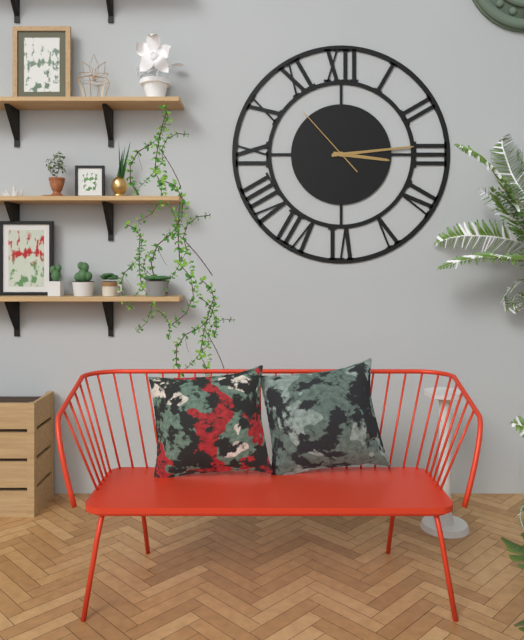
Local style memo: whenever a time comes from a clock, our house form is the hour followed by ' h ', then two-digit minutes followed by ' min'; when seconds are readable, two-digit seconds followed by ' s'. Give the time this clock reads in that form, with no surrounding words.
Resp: 3 h 14 min 53 s
